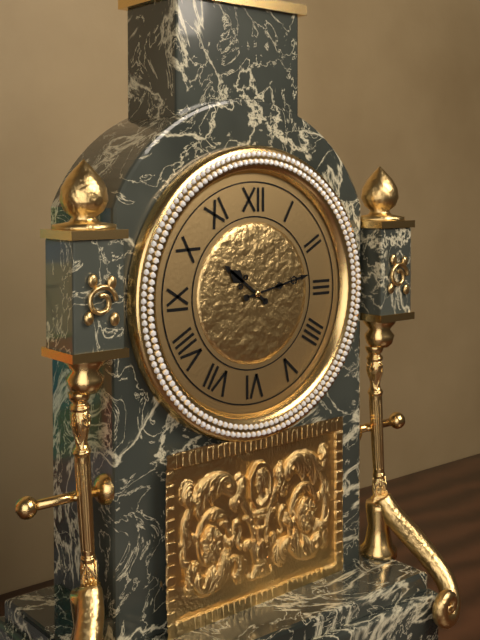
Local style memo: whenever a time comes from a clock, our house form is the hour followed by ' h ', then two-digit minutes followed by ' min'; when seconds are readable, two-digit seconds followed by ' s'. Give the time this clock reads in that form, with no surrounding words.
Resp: 10 h 13 min
